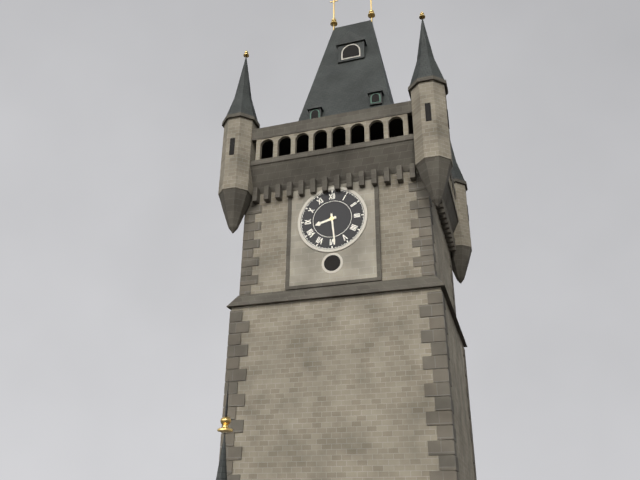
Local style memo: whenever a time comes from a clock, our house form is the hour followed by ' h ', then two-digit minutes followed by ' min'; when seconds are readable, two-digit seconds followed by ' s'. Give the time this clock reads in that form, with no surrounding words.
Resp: 8 h 29 min
